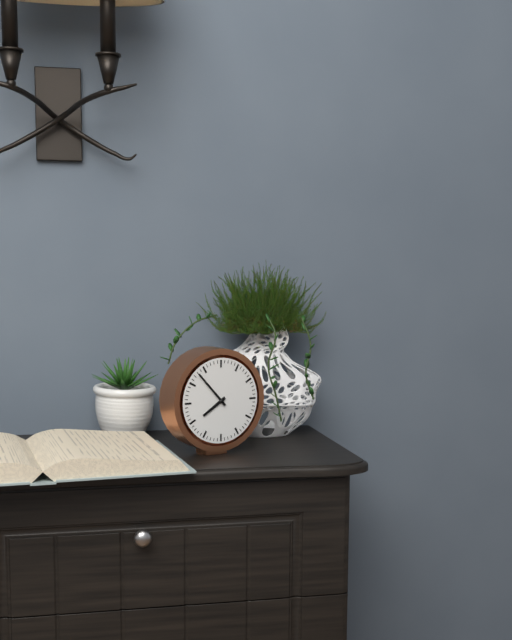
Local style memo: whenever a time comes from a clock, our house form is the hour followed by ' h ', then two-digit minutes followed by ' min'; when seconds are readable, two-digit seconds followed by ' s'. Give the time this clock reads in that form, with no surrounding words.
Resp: 7 h 53 min
